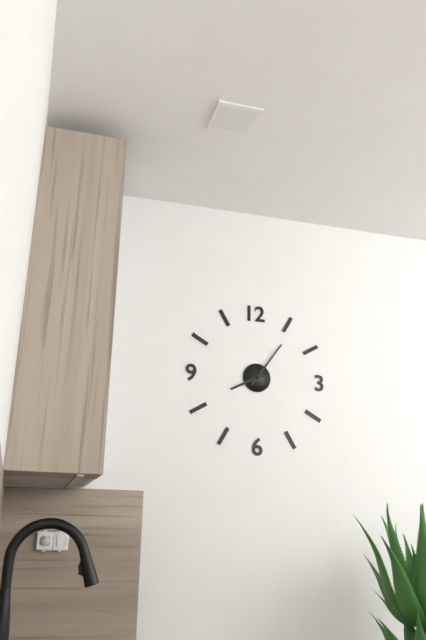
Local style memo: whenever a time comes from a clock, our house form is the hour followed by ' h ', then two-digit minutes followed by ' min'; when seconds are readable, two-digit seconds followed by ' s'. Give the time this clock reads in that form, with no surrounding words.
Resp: 8 h 06 min
